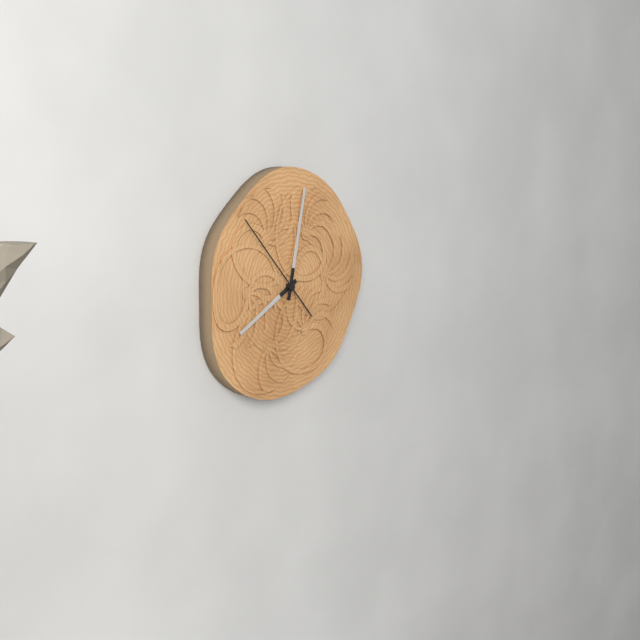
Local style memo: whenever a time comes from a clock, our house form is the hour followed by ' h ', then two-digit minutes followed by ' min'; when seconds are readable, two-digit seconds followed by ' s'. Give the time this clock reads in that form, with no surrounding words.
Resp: 8 h 02 min 53 s
